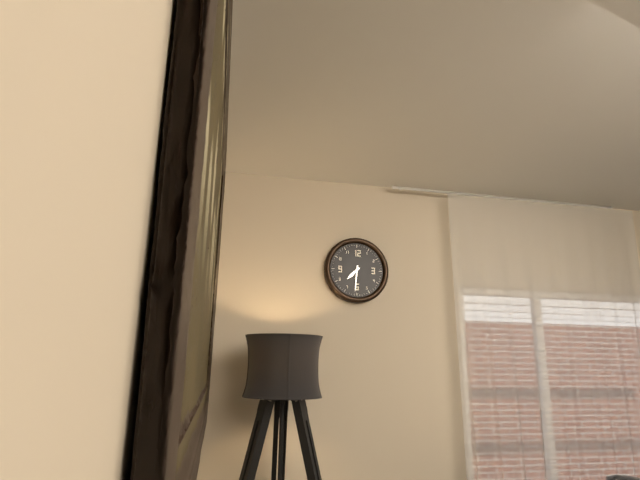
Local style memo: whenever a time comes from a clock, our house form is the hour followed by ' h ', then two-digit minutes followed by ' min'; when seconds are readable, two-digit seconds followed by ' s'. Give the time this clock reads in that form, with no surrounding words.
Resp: 7 h 31 min
